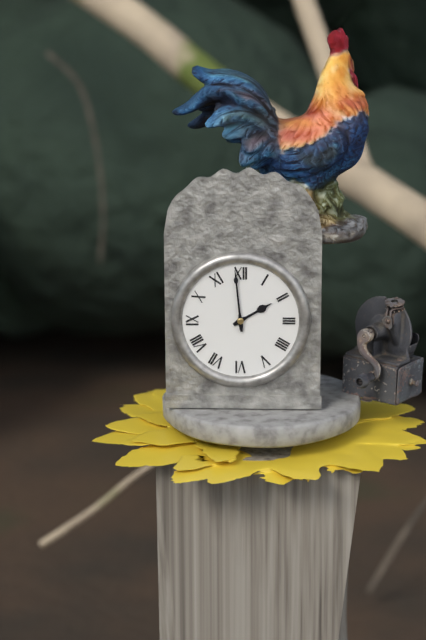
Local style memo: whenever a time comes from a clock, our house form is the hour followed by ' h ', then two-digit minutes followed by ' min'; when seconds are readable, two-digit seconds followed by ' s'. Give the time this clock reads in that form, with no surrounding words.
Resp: 1 h 59 min
